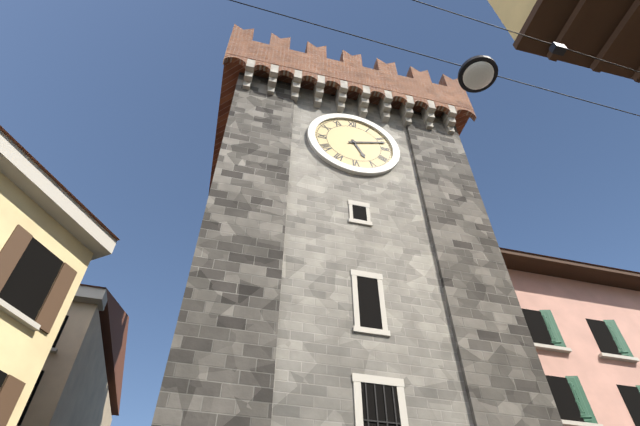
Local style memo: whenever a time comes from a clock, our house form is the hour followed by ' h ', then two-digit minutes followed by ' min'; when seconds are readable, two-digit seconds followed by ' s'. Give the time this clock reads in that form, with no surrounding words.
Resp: 5 h 12 min
